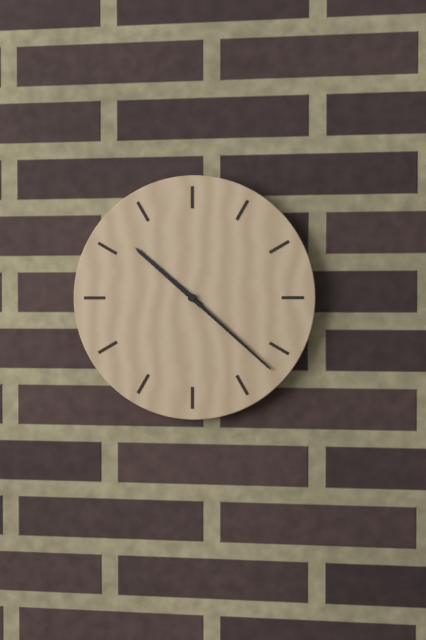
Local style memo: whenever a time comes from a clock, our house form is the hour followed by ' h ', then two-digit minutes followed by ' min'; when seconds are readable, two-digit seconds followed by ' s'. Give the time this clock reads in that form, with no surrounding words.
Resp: 10 h 22 min
